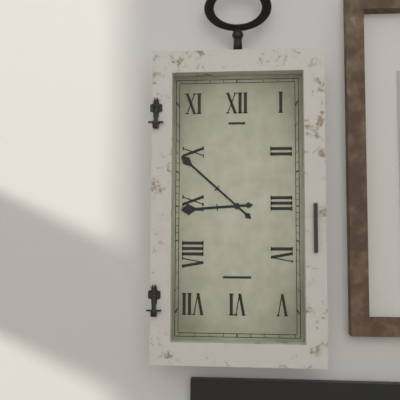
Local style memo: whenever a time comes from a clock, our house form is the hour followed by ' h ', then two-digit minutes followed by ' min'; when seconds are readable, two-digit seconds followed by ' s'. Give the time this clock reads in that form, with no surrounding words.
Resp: 8 h 52 min
